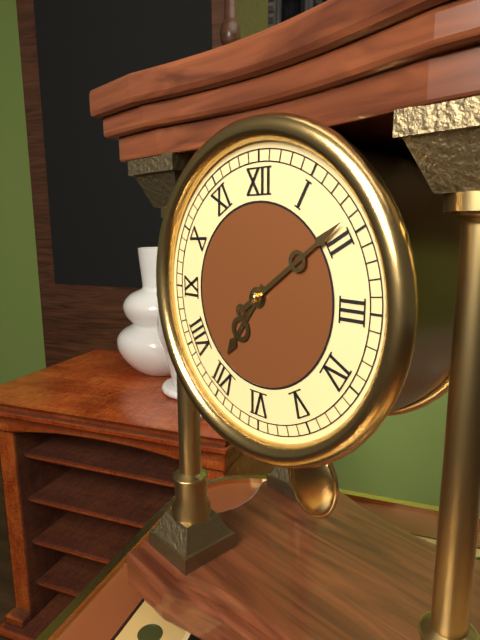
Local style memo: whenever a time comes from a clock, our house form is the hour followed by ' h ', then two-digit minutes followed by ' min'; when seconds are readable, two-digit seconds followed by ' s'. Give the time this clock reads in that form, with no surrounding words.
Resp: 7 h 09 min
